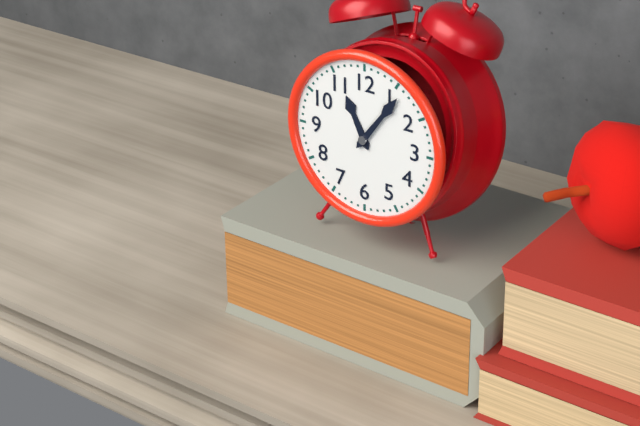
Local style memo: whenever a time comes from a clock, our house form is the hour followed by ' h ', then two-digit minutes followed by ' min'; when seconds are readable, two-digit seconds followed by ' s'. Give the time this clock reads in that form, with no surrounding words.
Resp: 11 h 06 min
